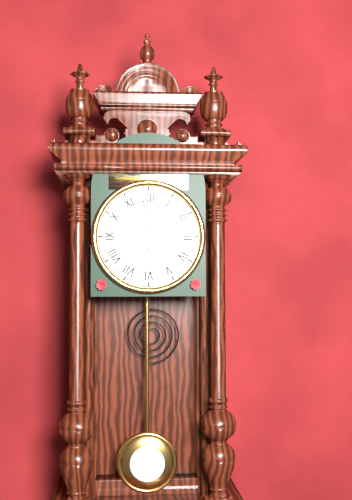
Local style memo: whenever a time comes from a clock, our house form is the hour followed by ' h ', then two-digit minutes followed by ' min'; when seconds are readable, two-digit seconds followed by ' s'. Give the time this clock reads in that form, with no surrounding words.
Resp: 6 h 59 min
